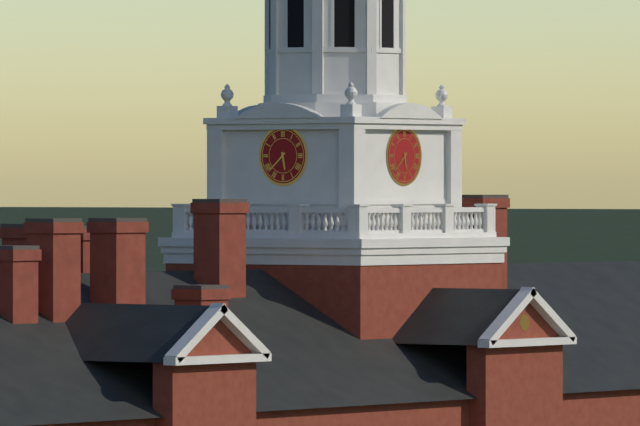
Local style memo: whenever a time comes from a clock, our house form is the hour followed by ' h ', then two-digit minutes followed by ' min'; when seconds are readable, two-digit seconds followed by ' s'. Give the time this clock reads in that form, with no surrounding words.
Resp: 5 h 38 min
